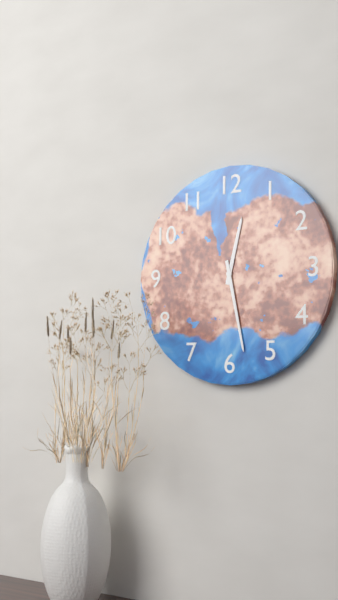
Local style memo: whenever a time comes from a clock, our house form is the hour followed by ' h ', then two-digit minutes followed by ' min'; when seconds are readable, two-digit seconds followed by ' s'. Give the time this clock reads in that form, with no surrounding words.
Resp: 12 h 28 min
